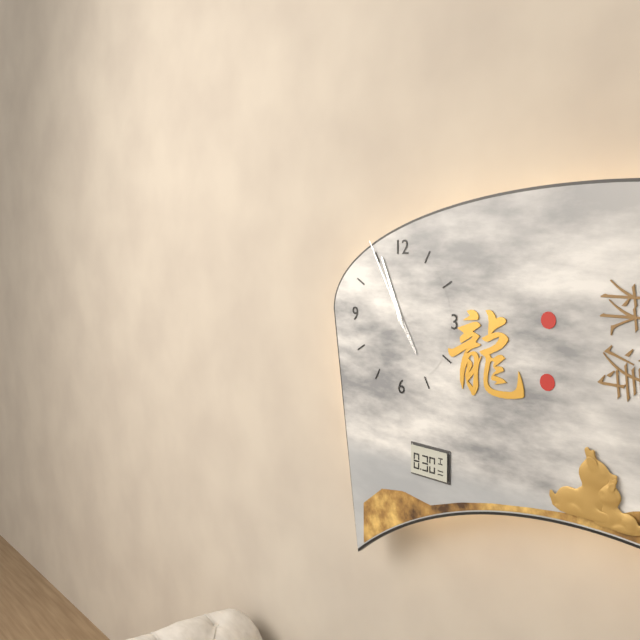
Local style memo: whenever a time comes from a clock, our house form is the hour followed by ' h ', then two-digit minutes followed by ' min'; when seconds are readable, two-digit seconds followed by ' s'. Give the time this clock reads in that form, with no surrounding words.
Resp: 4 h 56 min 55 s
